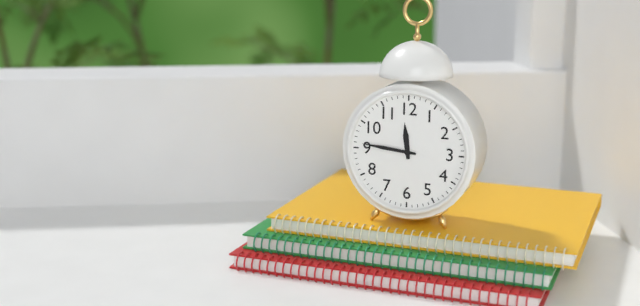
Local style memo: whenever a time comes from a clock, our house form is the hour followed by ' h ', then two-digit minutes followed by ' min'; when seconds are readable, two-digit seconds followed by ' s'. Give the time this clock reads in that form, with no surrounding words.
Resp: 11 h 46 min
